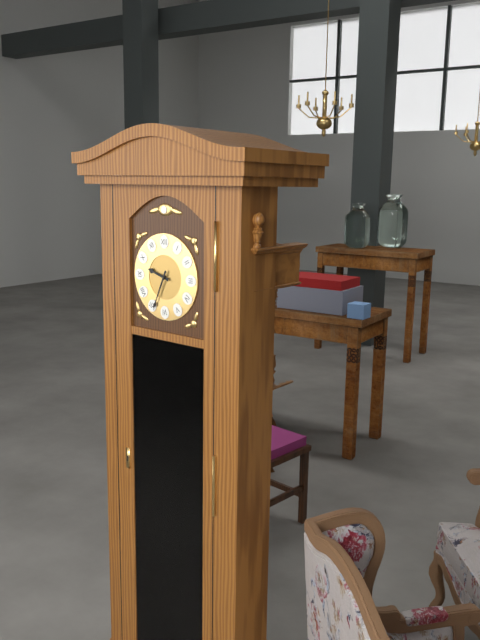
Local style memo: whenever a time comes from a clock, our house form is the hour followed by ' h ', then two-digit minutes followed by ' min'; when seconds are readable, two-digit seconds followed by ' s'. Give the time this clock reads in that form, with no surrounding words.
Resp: 9 h 34 min
